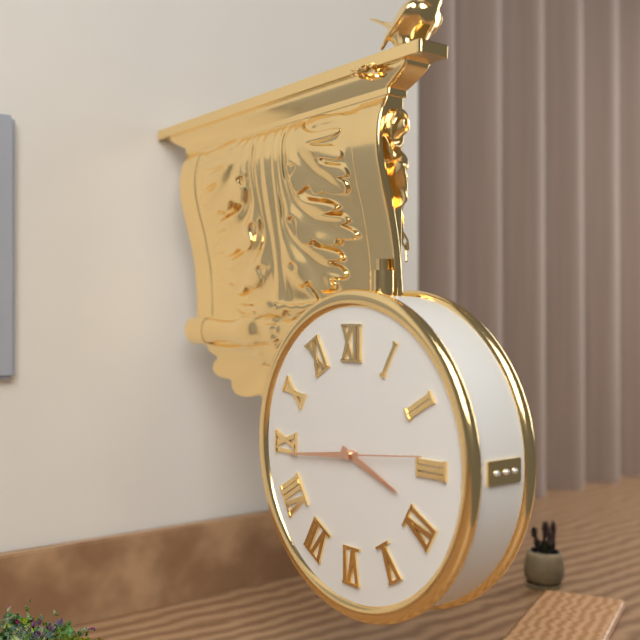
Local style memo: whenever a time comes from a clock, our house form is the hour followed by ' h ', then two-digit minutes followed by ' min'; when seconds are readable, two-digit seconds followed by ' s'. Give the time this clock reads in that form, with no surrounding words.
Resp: 3 h 44 min
